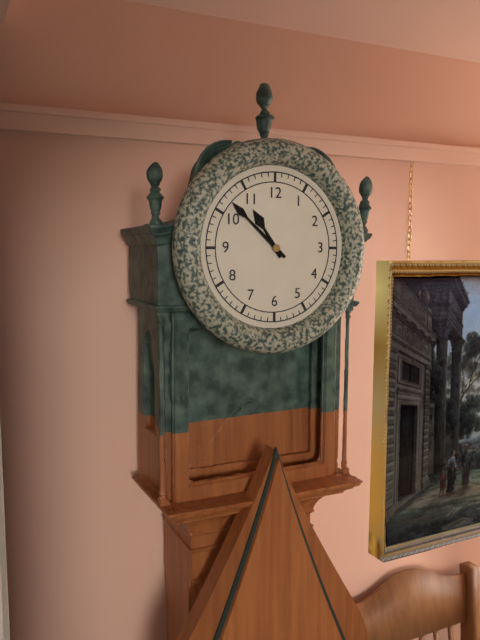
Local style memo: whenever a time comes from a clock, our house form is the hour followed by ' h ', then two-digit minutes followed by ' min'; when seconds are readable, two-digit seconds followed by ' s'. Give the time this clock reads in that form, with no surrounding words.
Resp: 10 h 52 min
